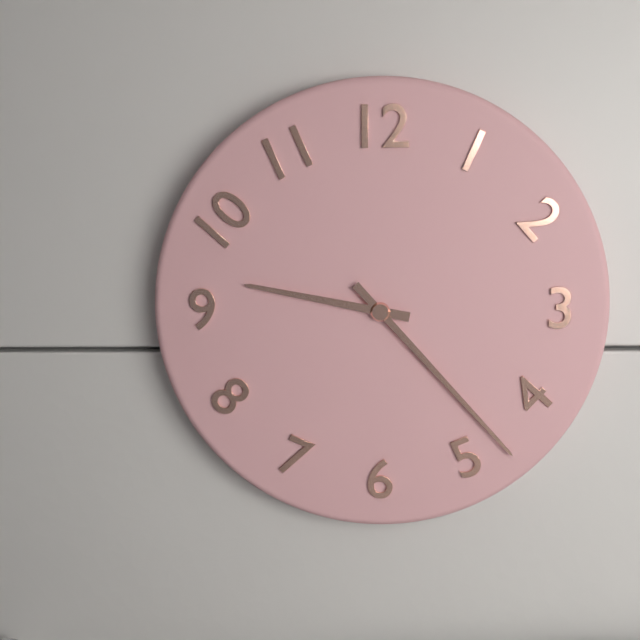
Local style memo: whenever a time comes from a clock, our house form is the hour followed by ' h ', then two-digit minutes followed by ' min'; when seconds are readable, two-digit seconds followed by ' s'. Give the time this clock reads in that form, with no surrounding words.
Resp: 9 h 23 min
